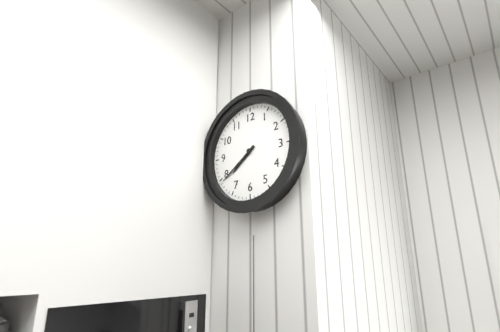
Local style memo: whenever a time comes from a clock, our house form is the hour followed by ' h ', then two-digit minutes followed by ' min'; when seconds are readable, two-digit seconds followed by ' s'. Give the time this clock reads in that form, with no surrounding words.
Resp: 7 h 39 min
